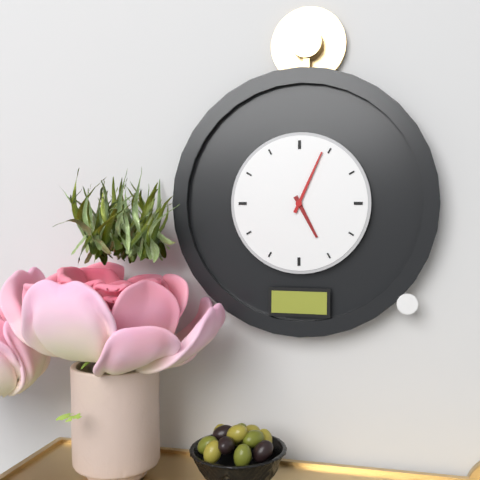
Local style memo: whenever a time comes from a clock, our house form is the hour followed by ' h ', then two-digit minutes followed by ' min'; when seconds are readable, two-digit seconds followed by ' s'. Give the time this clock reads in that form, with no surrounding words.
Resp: 5 h 04 min
